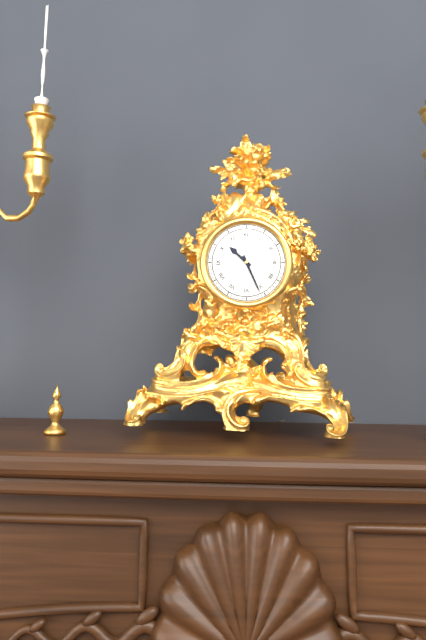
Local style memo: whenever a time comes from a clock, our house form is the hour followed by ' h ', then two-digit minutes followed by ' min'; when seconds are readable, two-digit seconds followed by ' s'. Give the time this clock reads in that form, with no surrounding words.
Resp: 10 h 26 min
